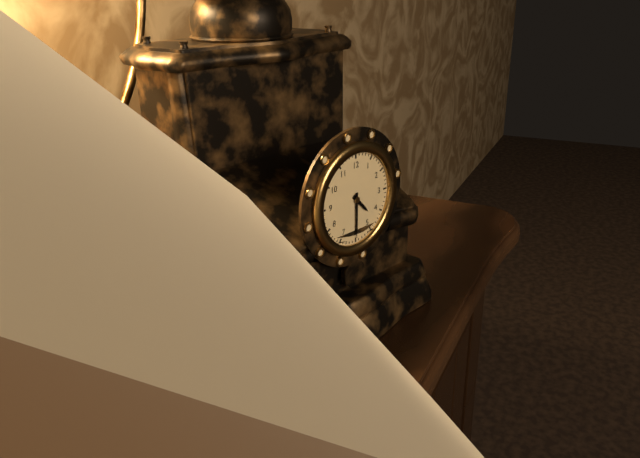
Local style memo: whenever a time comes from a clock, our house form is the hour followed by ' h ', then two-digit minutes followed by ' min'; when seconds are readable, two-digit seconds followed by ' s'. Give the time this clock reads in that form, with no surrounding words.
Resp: 4 h 30 min
